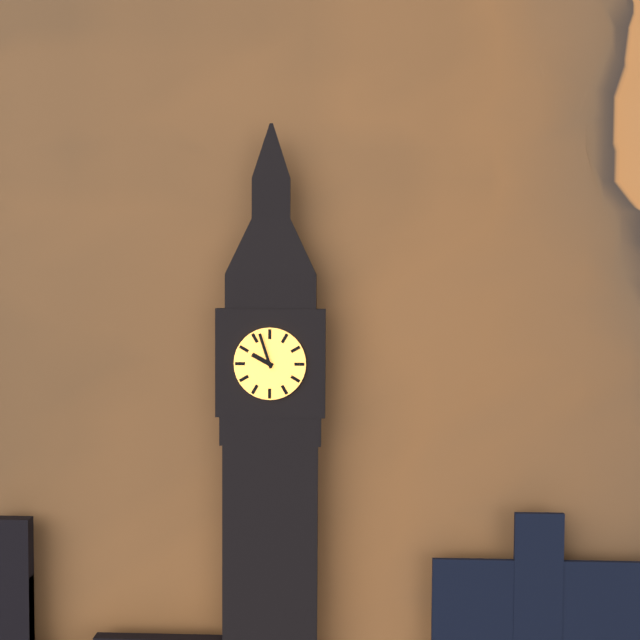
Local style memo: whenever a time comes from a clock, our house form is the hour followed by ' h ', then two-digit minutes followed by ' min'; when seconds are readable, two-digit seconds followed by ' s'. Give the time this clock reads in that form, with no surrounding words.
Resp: 9 h 57 min
